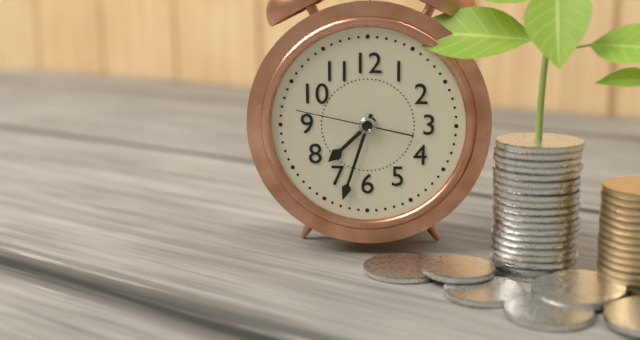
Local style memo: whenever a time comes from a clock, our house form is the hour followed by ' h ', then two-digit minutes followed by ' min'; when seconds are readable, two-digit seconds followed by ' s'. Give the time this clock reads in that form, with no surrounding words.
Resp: 7 h 33 min 47 s
